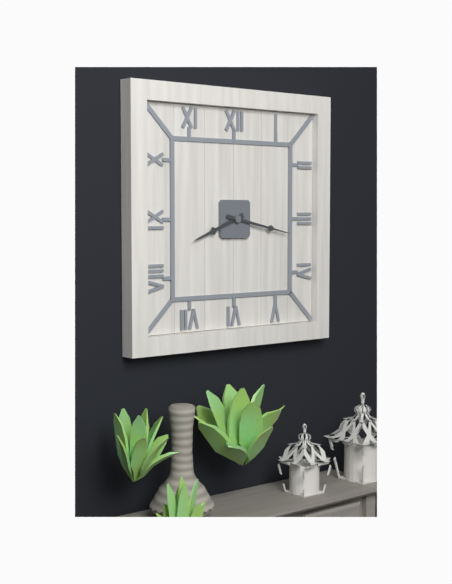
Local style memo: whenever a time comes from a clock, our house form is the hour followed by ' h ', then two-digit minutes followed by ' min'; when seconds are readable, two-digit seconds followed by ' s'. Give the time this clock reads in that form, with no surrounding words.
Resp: 8 h 17 min
